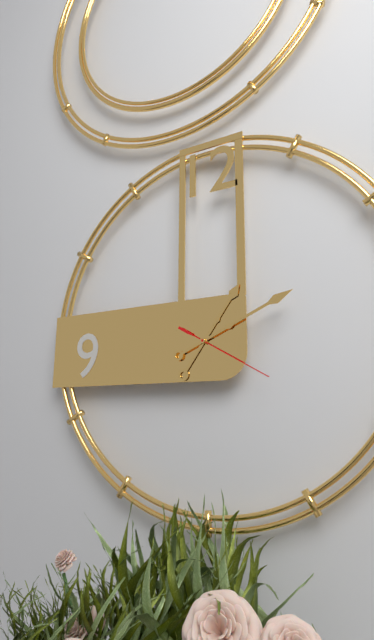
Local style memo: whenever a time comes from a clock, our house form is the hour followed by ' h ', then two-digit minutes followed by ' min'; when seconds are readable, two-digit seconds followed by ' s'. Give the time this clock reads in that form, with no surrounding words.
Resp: 1 h 11 min 20 s
